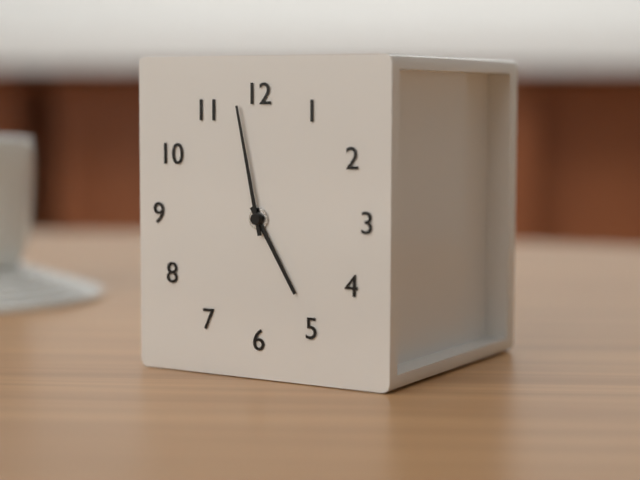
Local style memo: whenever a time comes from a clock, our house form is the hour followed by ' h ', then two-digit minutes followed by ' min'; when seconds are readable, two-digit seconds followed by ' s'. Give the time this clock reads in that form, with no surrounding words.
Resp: 4 h 58 min
